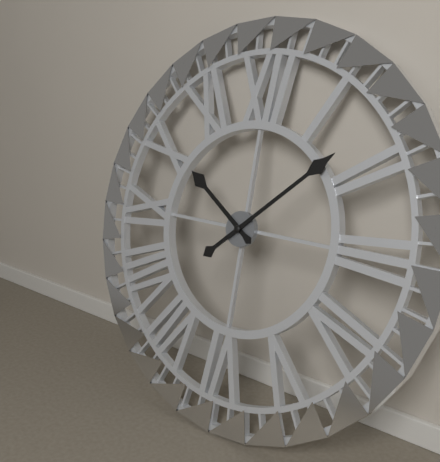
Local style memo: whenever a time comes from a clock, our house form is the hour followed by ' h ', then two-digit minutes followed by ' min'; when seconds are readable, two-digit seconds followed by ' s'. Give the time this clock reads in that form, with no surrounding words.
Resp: 10 h 08 min
